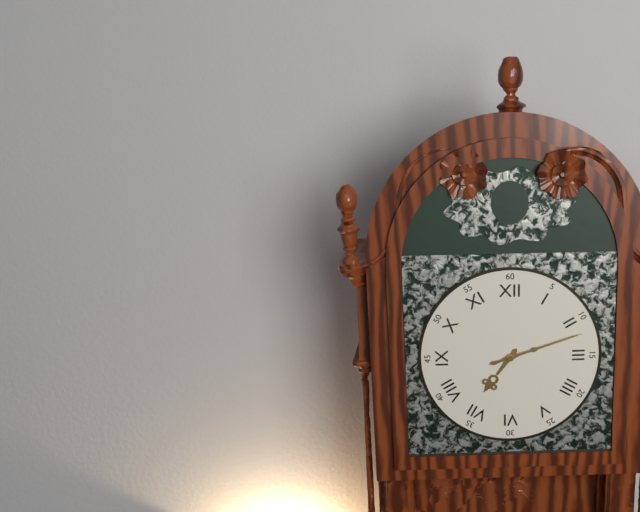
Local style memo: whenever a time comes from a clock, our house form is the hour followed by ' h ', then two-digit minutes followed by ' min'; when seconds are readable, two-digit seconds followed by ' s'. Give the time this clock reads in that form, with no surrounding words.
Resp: 7 h 12 min
